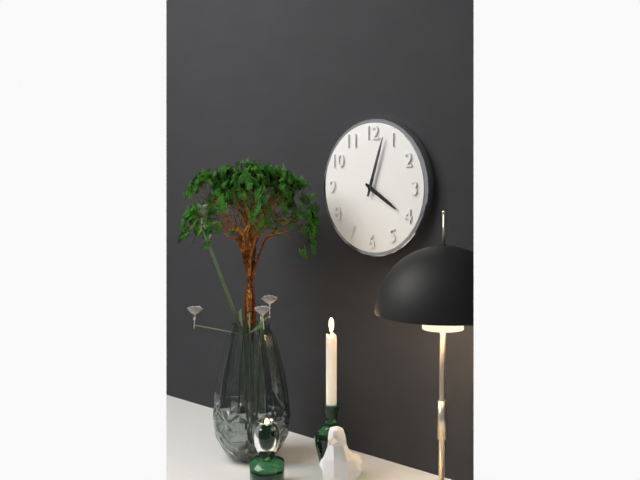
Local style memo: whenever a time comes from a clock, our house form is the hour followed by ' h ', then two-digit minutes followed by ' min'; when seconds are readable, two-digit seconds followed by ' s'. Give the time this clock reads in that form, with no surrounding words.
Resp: 4 h 03 min
